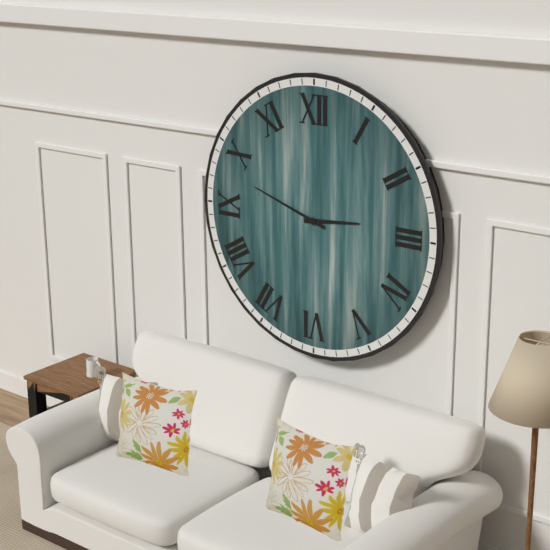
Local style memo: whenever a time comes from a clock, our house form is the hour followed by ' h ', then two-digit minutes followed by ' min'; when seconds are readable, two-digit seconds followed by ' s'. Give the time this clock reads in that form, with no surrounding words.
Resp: 2 h 48 min
